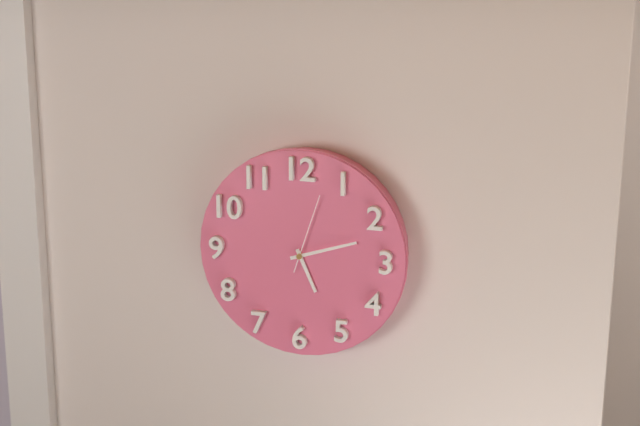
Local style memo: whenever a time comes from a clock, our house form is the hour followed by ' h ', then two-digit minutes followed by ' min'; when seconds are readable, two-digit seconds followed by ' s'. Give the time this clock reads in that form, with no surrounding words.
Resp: 5 h 12 min 03 s
